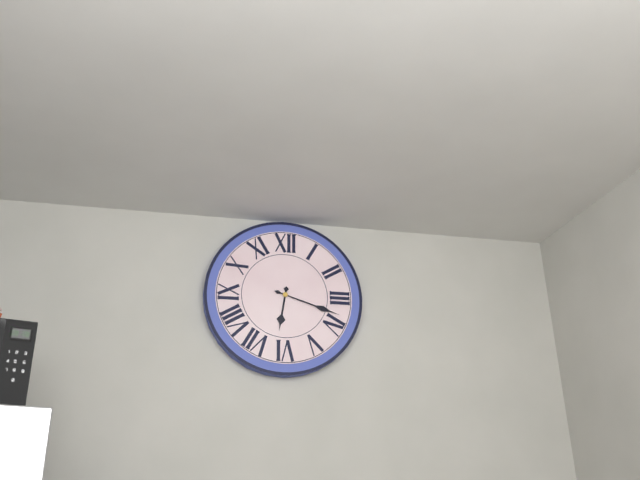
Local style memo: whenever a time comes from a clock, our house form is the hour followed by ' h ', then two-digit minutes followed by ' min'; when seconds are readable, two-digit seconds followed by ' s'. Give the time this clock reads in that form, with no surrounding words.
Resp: 6 h 18 min
